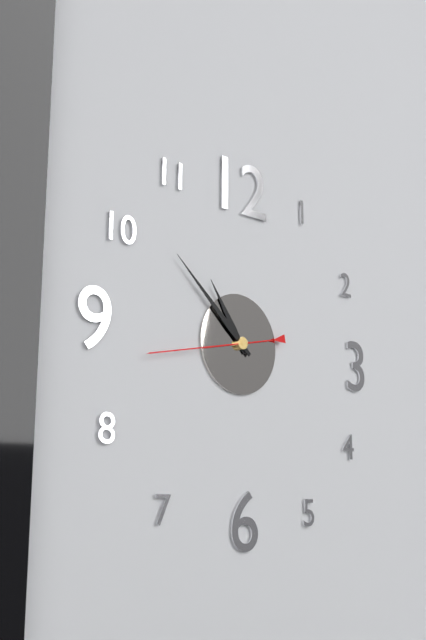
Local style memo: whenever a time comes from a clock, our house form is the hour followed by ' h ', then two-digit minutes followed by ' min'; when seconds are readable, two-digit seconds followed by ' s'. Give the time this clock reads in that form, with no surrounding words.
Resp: 10 h 52 min 43 s
